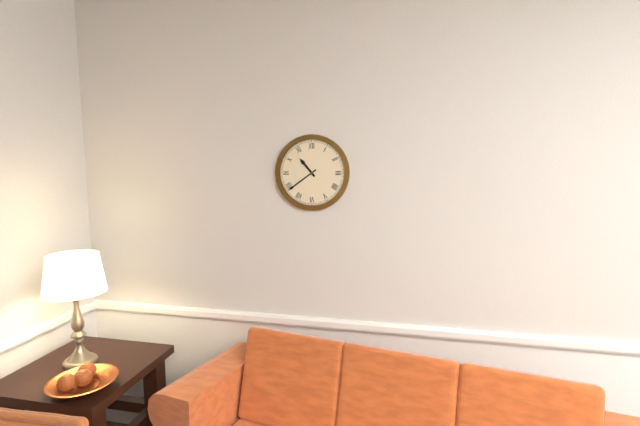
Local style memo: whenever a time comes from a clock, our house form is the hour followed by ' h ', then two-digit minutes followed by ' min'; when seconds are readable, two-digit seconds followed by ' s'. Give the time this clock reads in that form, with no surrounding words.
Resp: 10 h 39 min
